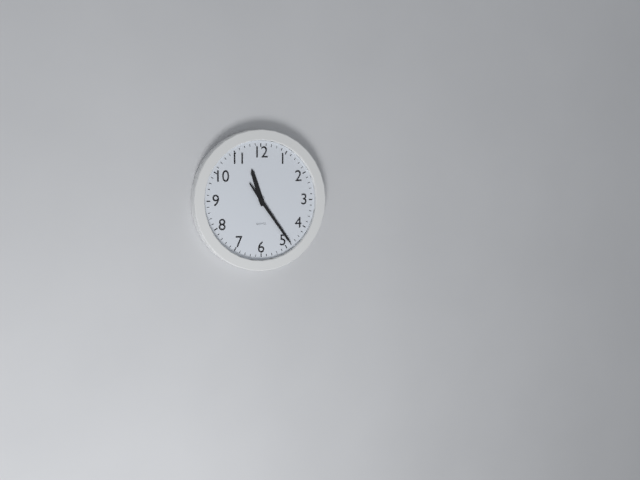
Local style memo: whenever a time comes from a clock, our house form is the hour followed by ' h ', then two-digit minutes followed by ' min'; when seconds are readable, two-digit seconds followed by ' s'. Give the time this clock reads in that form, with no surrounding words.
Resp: 11 h 24 min
